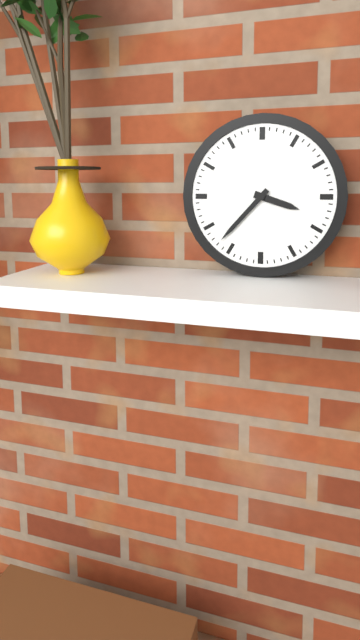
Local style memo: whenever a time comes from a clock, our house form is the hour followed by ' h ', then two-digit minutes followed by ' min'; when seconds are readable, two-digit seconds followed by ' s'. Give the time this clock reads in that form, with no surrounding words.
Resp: 3 h 37 min
